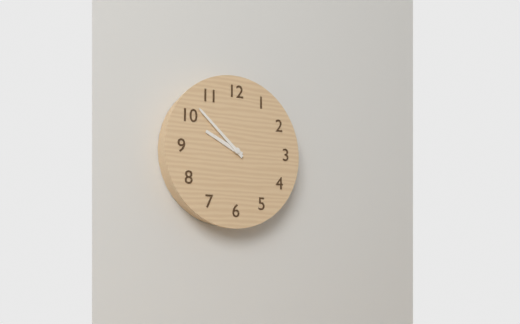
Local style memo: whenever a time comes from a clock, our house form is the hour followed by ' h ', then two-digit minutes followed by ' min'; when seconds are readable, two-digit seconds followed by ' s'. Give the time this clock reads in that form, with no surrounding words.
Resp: 9 h 52 min
